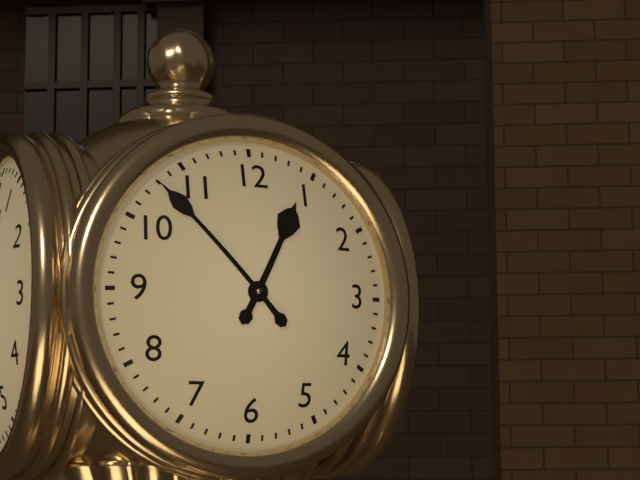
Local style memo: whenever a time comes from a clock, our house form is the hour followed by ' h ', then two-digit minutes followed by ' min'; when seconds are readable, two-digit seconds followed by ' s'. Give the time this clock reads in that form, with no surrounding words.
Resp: 12 h 53 min
